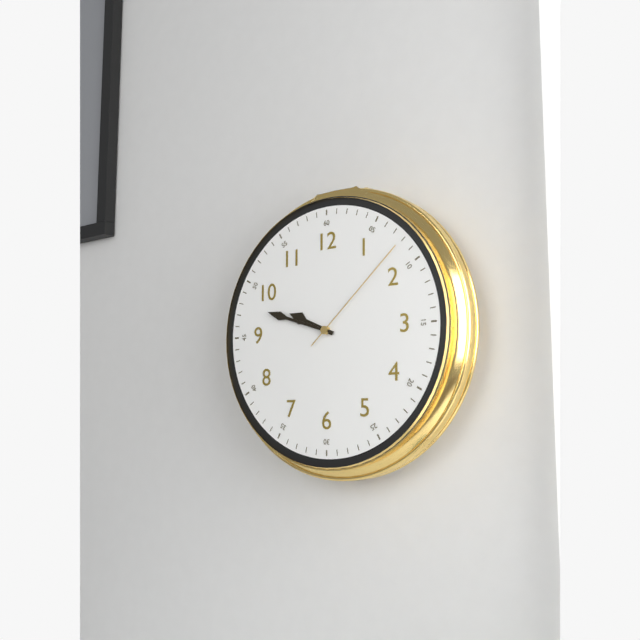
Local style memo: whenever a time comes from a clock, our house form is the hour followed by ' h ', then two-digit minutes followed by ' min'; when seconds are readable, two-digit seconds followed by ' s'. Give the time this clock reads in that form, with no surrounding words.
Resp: 9 h 48 min 08 s
